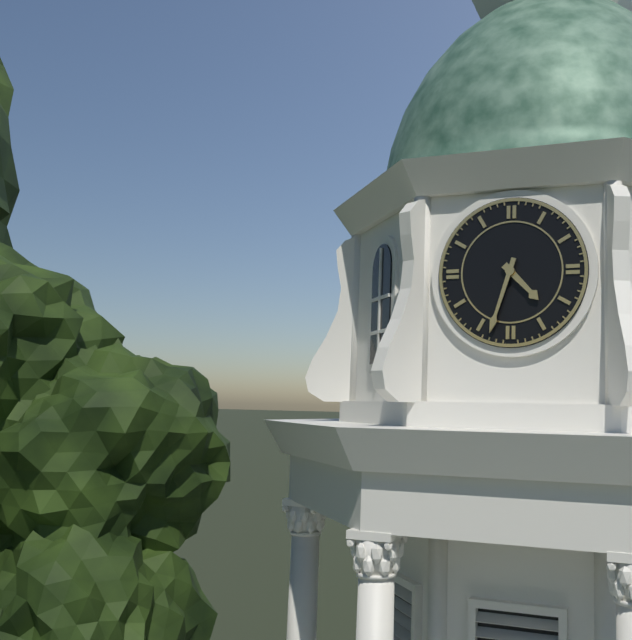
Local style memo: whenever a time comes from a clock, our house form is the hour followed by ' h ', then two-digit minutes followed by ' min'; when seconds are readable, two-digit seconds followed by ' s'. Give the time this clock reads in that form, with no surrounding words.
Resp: 4 h 33 min
